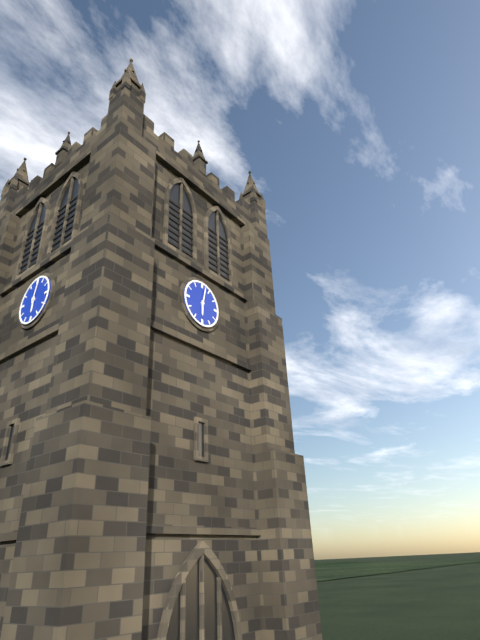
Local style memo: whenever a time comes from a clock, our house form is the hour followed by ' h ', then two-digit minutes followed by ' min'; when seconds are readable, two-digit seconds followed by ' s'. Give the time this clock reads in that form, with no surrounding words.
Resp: 6 h 02 min
